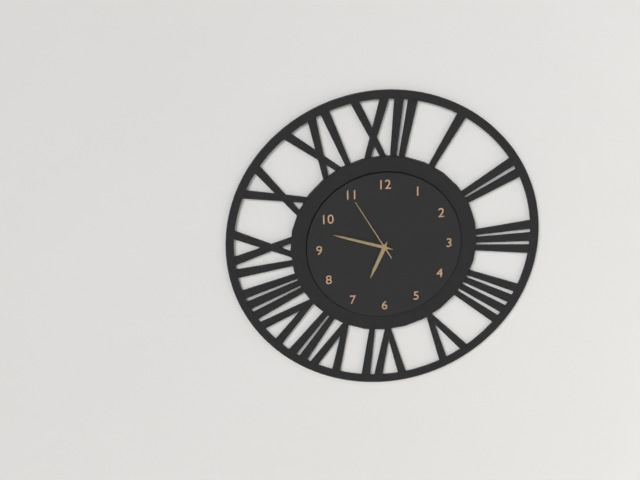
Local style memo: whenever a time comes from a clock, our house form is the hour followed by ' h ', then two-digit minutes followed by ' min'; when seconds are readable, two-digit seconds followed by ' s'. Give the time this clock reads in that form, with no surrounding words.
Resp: 6 h 48 min 55 s
